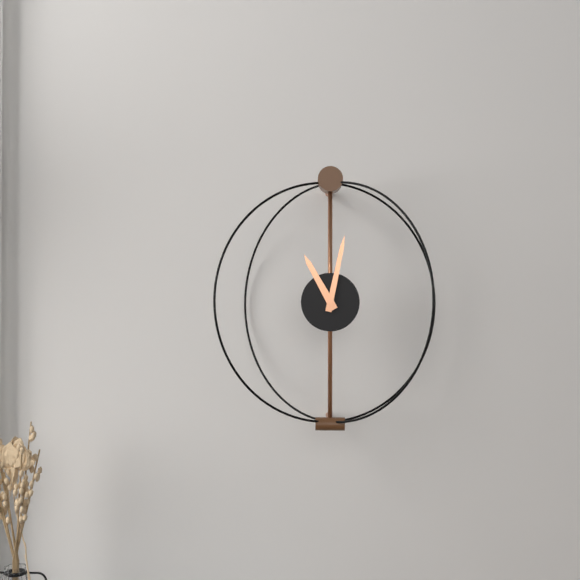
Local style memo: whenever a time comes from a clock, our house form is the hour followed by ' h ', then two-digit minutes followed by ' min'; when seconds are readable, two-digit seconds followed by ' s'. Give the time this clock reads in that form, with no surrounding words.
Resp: 11 h 02 min
